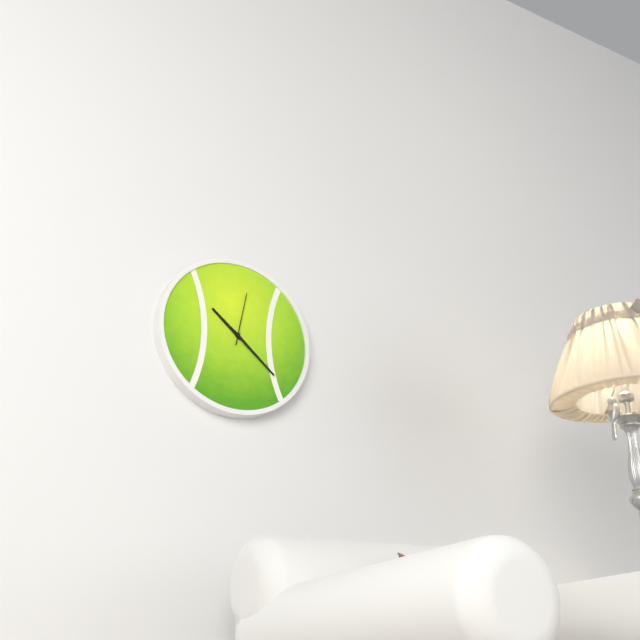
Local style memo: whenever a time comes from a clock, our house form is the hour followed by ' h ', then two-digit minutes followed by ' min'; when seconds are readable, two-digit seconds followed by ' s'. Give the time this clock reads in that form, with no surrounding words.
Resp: 10 h 22 min 02 s
